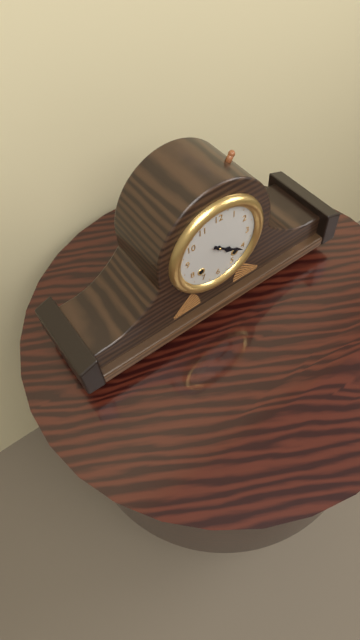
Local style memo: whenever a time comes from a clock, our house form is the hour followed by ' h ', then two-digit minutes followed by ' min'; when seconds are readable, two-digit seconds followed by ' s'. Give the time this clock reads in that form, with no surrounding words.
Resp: 4 h 21 min
